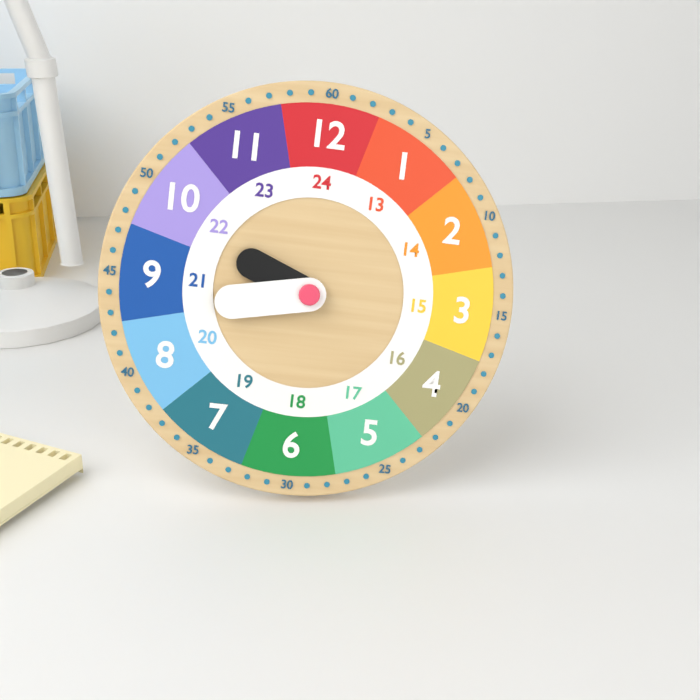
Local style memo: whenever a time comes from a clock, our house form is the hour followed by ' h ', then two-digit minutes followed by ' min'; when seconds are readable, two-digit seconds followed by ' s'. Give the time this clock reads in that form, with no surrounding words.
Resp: 9 h 43 min
